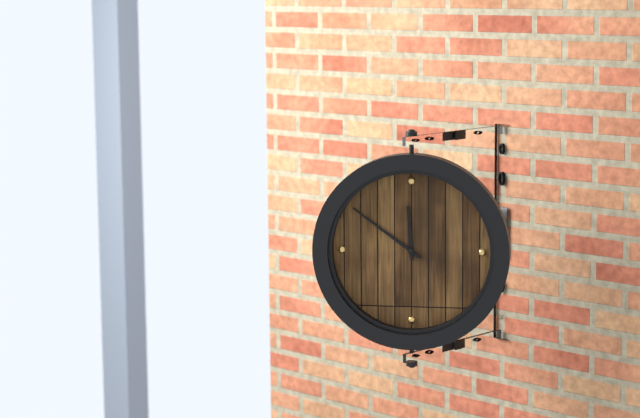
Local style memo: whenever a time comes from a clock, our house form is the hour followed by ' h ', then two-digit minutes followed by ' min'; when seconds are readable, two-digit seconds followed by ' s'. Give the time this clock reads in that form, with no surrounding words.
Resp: 11 h 51 min
